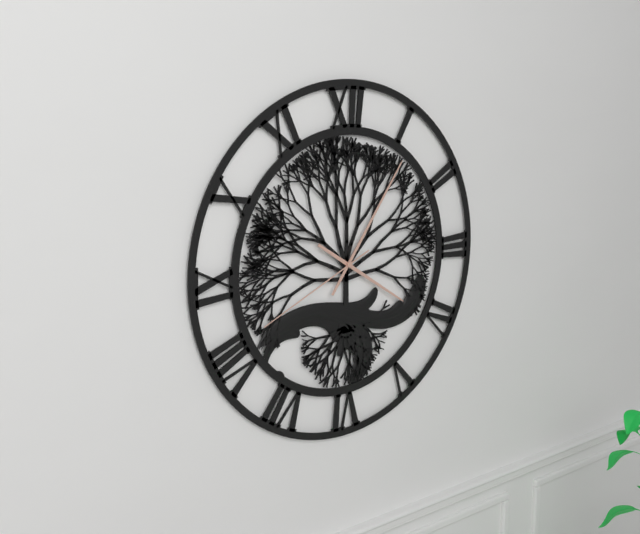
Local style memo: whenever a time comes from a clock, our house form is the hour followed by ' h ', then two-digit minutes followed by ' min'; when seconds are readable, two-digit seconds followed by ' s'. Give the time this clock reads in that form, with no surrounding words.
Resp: 4 h 06 min 41 s
